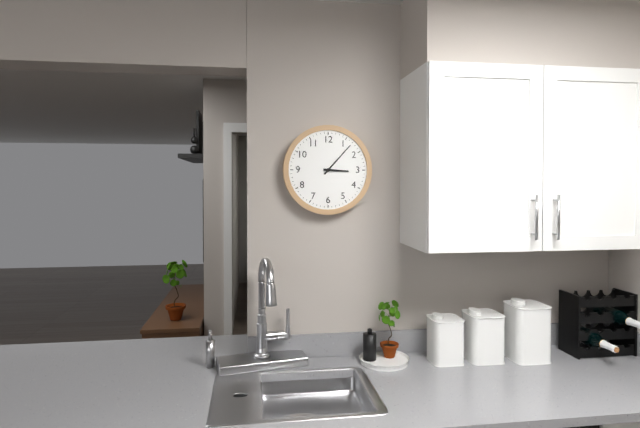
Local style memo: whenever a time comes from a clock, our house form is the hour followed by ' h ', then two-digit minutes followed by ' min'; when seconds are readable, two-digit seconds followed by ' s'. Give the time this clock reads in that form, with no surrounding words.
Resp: 3 h 07 min
